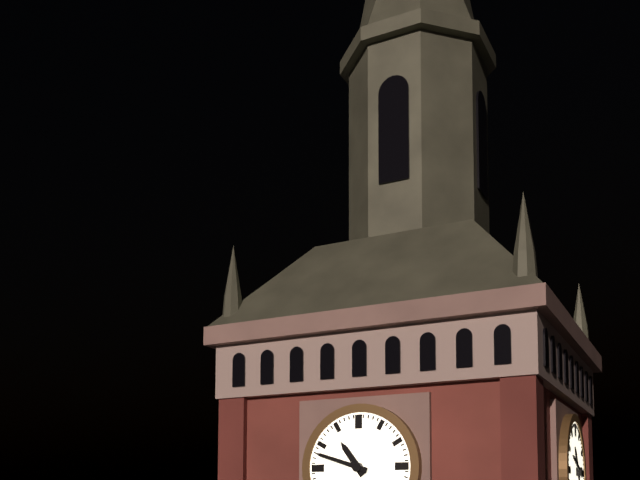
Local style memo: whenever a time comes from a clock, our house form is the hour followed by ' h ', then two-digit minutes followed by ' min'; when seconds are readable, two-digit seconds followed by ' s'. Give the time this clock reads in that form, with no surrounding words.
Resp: 10 h 48 min
